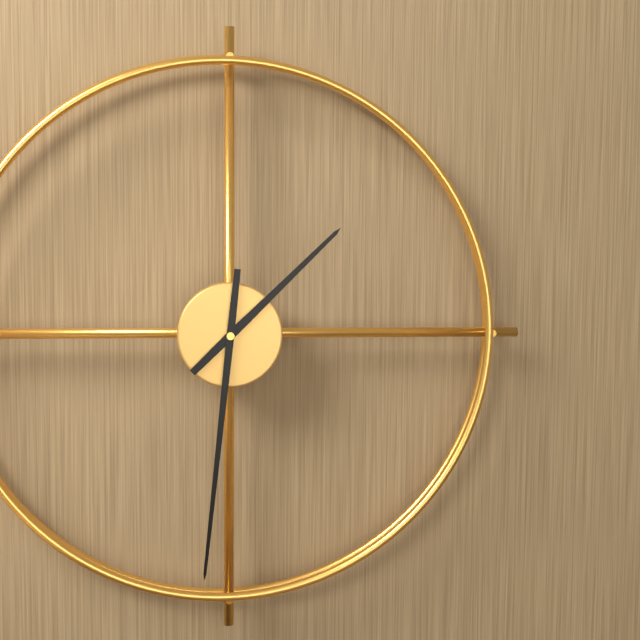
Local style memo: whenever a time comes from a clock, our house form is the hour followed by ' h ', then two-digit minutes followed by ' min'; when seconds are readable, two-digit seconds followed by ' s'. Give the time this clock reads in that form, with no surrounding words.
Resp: 1 h 31 min
